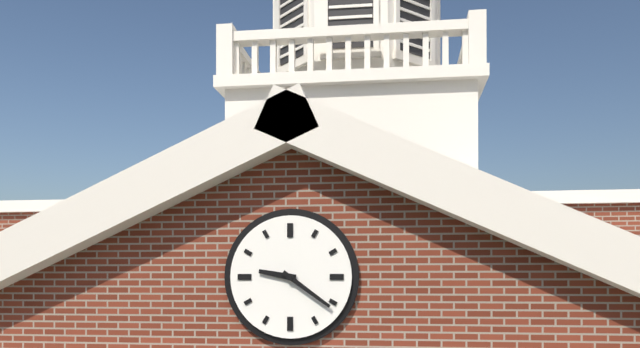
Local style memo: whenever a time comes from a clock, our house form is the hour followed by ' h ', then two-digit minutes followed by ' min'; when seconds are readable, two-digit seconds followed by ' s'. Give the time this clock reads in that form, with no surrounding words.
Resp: 9 h 21 min
